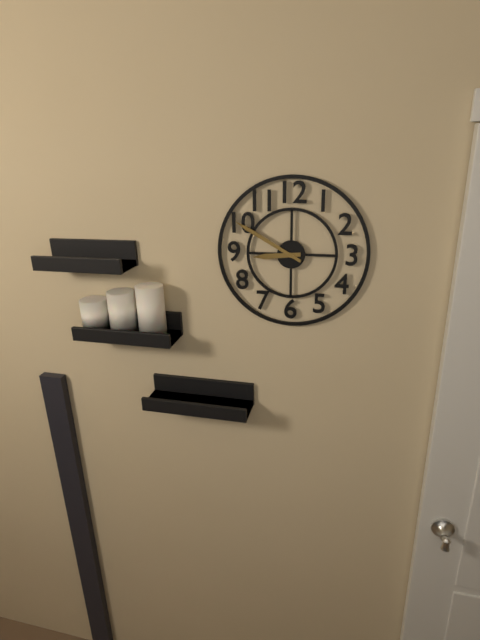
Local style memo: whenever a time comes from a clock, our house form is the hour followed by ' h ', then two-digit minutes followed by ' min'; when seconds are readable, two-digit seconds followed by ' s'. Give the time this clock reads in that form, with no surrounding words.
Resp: 8 h 50 min
